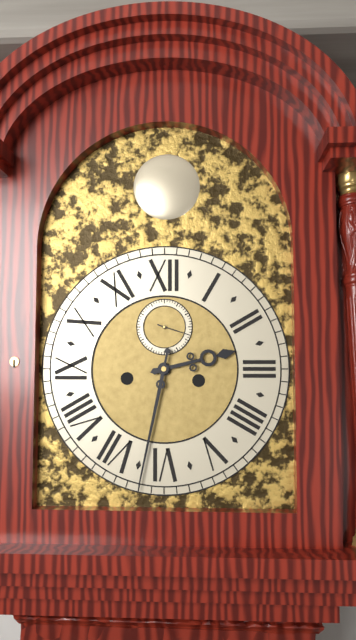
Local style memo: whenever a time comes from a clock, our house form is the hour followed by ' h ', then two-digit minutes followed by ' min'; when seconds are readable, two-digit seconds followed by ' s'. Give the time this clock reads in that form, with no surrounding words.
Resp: 2 h 32 min
